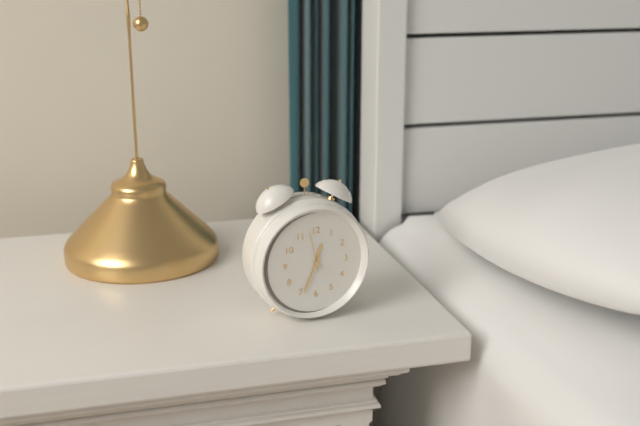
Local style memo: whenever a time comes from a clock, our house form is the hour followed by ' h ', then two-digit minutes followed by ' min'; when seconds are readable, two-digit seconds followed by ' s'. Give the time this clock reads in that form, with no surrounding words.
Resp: 12 h 34 min
